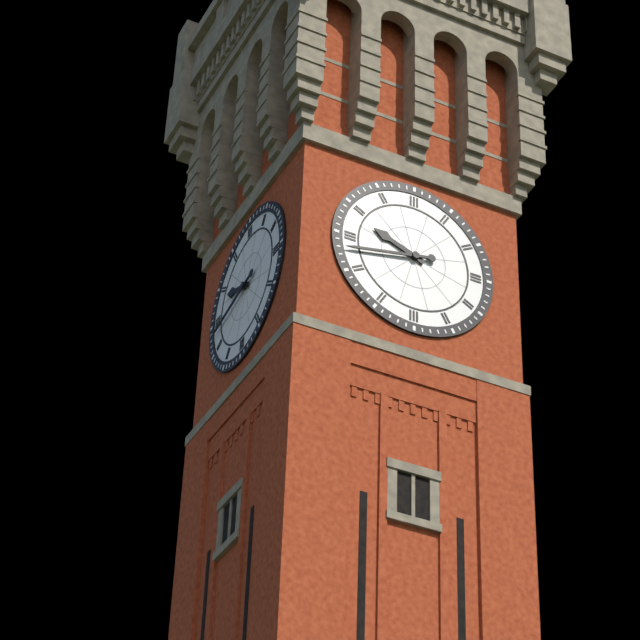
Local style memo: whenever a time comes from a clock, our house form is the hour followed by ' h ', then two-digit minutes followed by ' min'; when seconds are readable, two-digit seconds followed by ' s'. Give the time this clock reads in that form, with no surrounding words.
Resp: 9 h 43 min
